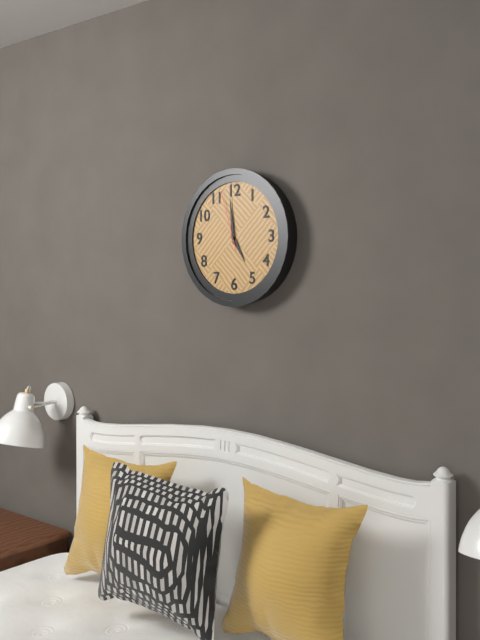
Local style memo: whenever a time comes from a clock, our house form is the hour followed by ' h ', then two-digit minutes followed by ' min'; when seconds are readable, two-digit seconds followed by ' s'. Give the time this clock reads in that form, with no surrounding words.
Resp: 4 h 59 min 57 s
